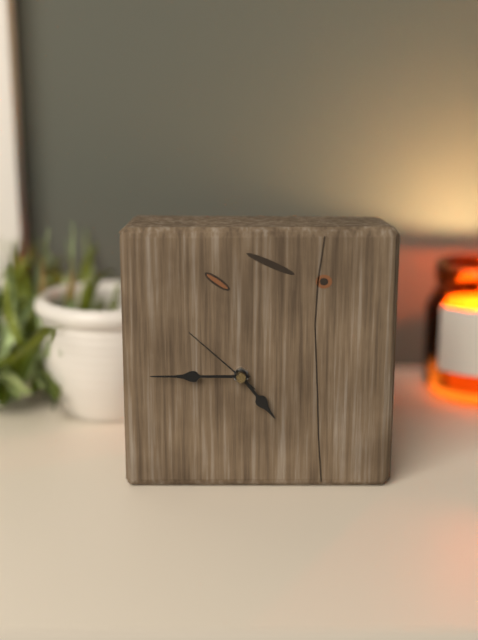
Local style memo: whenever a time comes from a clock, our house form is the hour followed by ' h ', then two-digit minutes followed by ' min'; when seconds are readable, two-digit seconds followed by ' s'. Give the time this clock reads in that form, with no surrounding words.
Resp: 4 h 45 min 52 s
